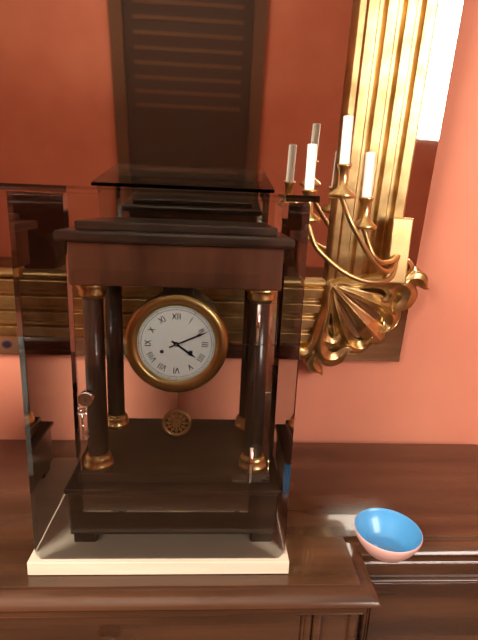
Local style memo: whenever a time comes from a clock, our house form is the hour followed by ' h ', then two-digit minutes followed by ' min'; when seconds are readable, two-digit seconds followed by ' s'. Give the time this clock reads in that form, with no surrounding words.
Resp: 4 h 11 min
